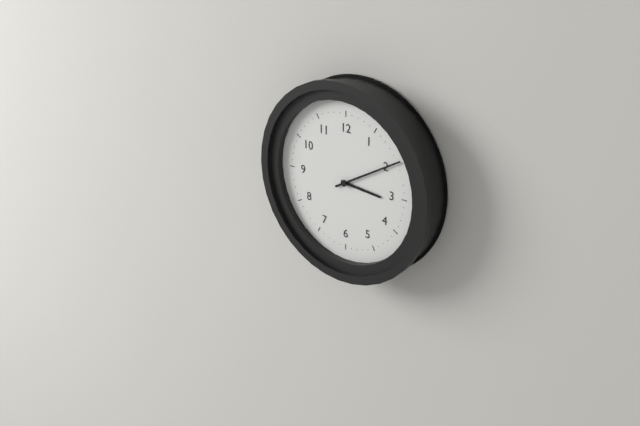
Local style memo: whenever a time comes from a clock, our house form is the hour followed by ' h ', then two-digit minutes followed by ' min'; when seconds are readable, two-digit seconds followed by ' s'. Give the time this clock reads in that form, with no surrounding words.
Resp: 3 h 10 min
